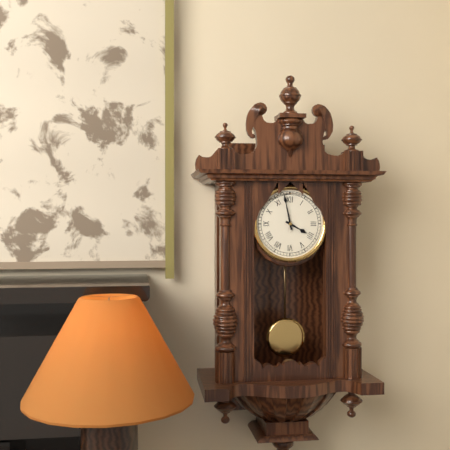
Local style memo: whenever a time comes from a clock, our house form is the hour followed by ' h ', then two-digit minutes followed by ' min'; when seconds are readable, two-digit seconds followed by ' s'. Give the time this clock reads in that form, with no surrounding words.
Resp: 3 h 58 min
